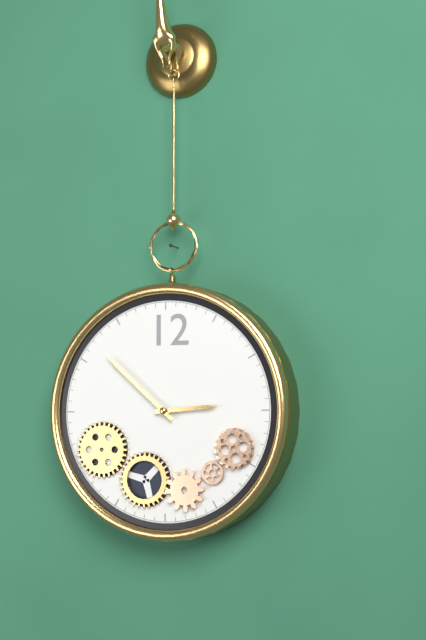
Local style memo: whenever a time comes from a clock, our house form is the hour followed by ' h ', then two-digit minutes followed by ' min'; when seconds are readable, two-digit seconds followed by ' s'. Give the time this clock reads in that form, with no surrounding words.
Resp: 2 h 52 min
